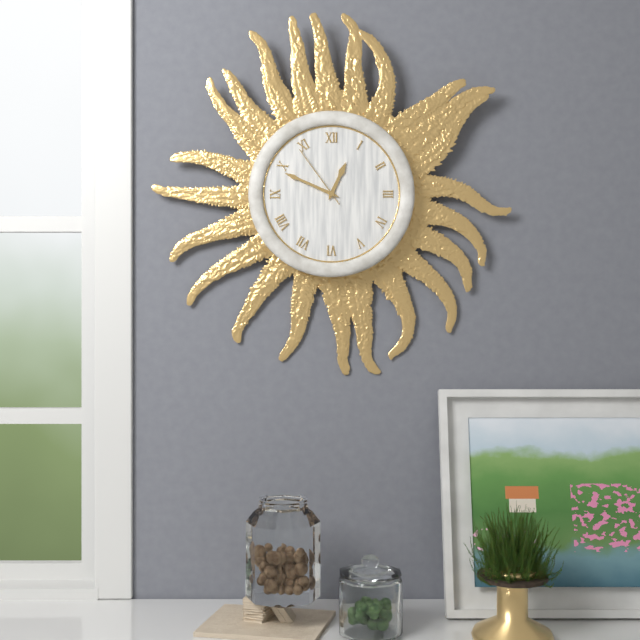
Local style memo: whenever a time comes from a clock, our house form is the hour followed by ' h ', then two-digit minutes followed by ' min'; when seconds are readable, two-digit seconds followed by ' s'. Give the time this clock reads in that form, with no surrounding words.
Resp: 12 h 49 min 54 s
